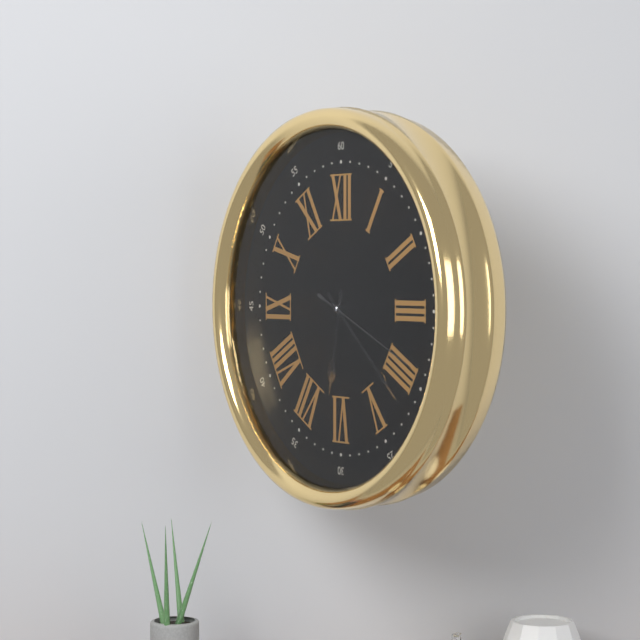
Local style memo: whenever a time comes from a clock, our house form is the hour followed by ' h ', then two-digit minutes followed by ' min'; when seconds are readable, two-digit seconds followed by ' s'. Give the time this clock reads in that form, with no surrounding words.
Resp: 6 h 22 min 19 s
